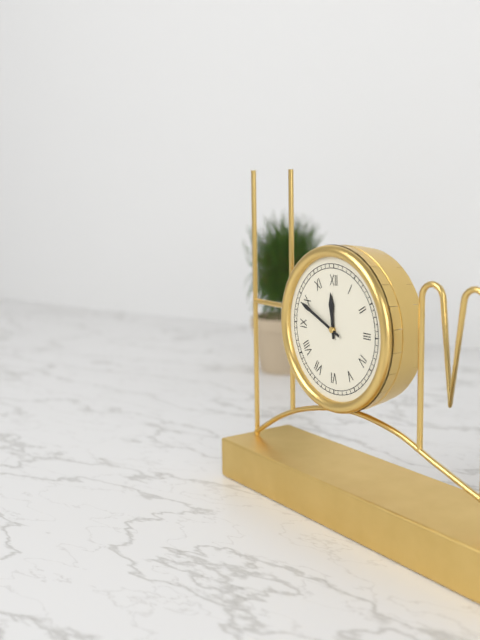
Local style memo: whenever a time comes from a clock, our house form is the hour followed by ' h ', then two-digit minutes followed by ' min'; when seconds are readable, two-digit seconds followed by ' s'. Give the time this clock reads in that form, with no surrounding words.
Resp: 11 h 49 min
